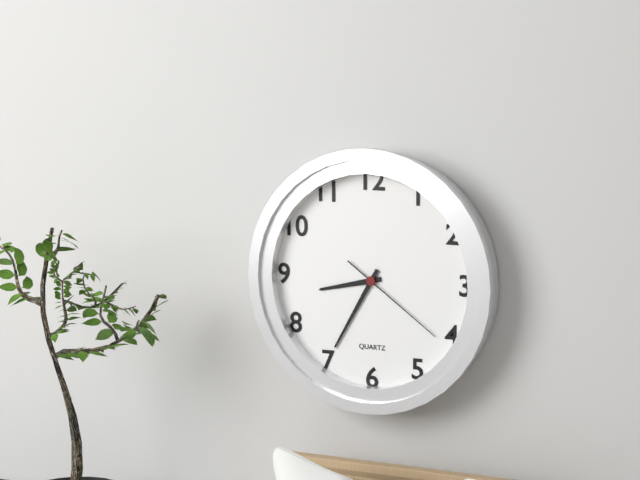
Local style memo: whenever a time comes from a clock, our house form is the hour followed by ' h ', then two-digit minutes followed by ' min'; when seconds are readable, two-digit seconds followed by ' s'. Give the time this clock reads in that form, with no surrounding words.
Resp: 8 h 35 min 21 s
